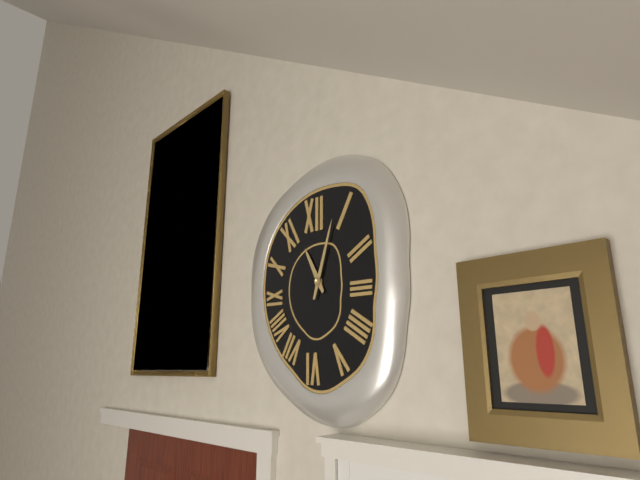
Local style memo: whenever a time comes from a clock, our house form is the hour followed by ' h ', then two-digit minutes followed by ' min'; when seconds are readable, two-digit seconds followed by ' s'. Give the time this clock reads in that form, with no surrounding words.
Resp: 11 h 03 min
